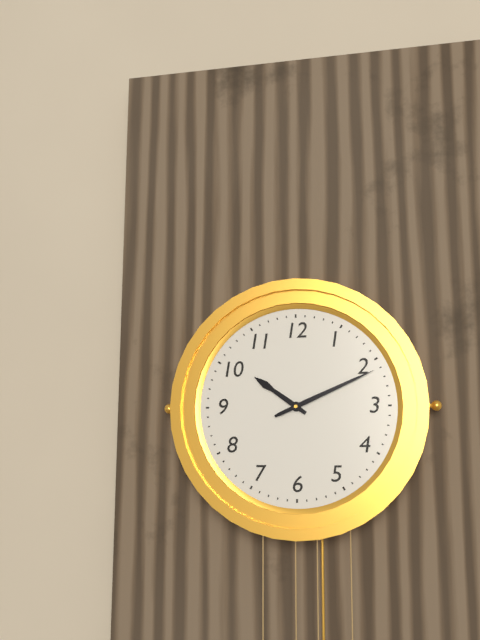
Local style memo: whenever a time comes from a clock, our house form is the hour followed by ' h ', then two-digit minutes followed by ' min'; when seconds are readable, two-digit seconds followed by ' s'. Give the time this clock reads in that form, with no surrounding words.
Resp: 10 h 11 min
